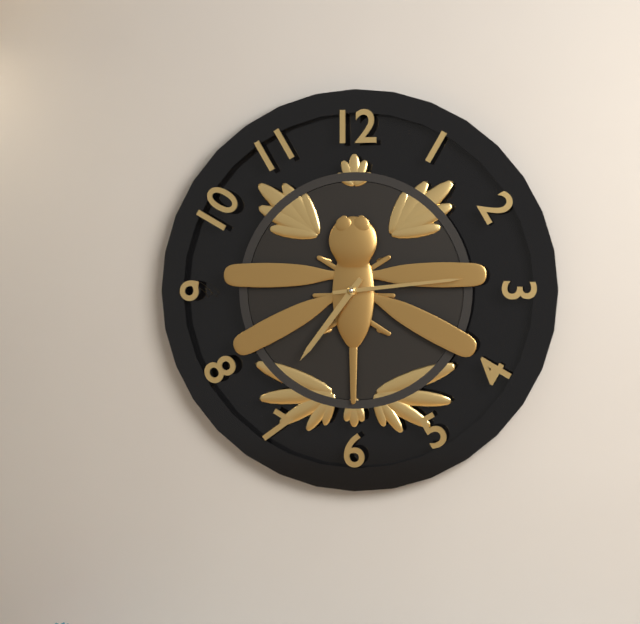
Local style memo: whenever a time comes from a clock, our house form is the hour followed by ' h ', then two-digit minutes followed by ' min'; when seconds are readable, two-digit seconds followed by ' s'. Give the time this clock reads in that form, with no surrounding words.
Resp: 7 h 14 min
